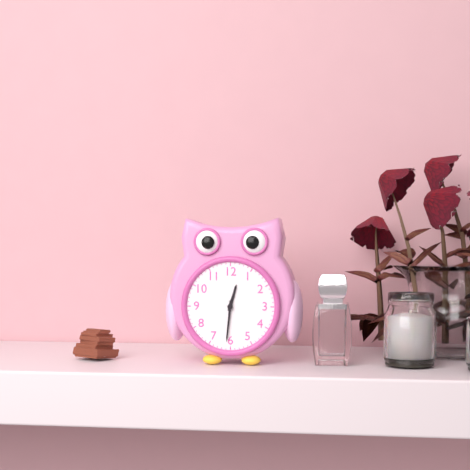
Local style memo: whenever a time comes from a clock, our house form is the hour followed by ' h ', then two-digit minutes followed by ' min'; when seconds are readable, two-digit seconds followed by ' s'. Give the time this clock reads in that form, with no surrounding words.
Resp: 12 h 31 min
